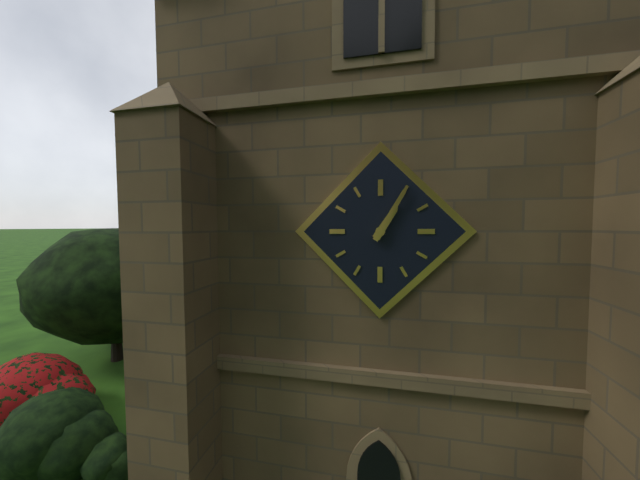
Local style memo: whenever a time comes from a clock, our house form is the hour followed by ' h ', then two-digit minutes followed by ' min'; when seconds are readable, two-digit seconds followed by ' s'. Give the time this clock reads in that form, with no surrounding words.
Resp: 1 h 05 min
